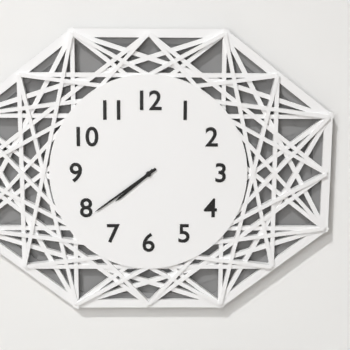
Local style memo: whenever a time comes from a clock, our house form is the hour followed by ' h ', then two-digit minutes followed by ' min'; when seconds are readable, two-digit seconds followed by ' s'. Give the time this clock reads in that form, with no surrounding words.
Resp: 7 h 39 min
